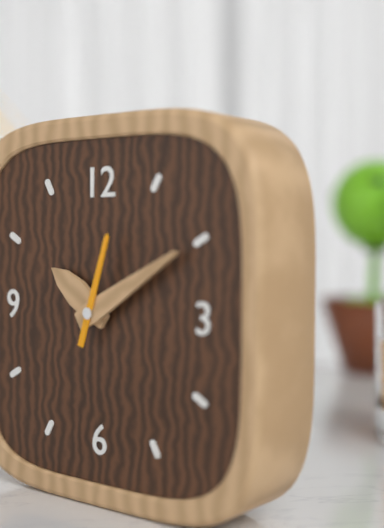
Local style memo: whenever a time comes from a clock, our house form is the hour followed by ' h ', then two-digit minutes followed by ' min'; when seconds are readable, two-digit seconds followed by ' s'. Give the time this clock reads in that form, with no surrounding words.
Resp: 10 h 10 min 03 s
